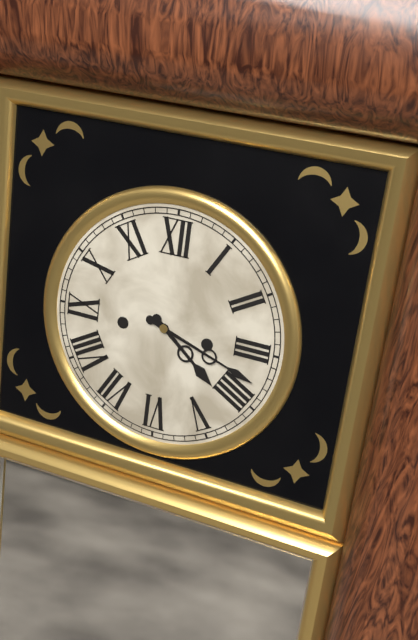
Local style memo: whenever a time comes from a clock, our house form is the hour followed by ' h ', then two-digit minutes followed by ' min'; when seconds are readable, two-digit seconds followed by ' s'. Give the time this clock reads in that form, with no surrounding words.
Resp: 4 h 18 min
